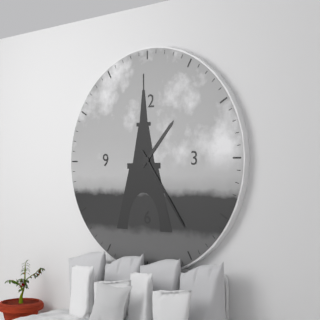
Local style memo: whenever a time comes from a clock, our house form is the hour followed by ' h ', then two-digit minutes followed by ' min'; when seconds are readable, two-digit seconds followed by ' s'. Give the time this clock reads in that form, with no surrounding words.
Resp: 1 h 24 min
